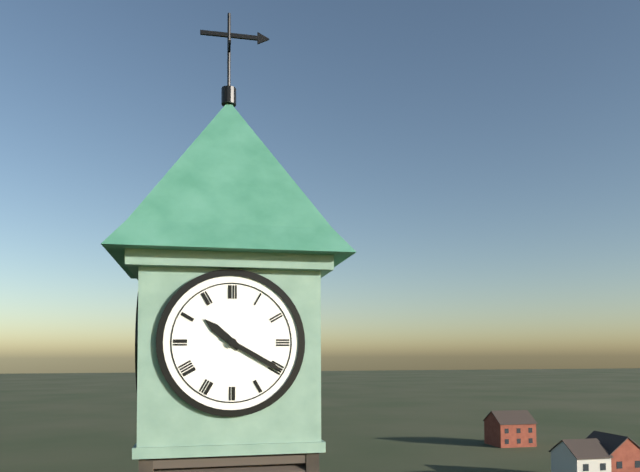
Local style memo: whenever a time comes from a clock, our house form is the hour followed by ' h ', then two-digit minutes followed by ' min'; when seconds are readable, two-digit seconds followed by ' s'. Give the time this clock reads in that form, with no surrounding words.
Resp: 10 h 20 min
